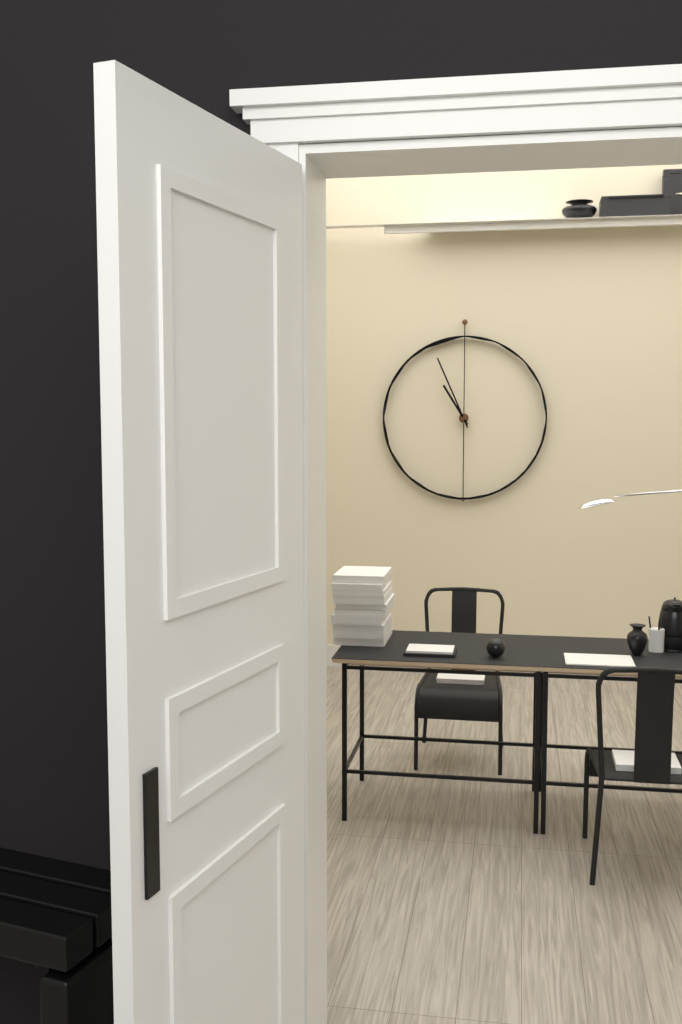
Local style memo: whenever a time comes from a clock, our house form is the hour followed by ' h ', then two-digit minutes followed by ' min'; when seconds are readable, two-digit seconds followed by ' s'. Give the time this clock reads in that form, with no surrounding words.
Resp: 10 h 56 min
